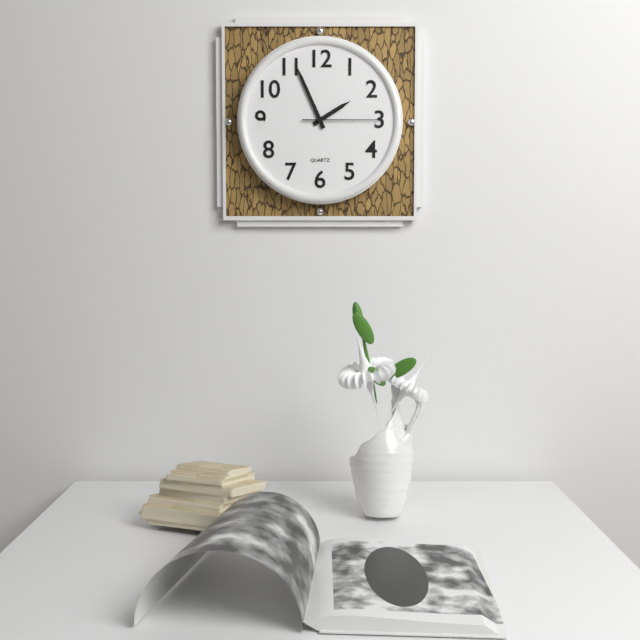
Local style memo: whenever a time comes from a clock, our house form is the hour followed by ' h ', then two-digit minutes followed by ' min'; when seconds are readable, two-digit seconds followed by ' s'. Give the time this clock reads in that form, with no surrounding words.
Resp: 1 h 56 min 15 s
